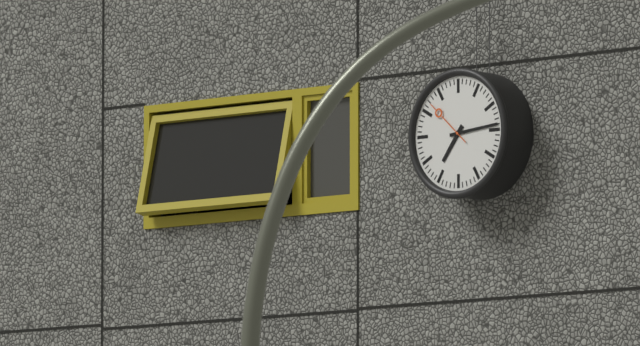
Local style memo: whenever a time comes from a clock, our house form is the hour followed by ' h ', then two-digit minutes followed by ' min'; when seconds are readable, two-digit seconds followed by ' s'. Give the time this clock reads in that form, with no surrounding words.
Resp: 7 h 14 min 52 s
